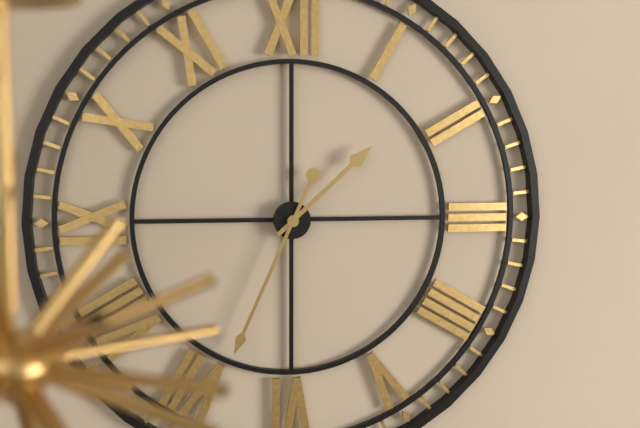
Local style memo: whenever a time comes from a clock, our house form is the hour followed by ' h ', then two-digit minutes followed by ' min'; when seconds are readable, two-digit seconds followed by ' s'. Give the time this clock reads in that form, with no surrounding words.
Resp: 1 h 34 min
